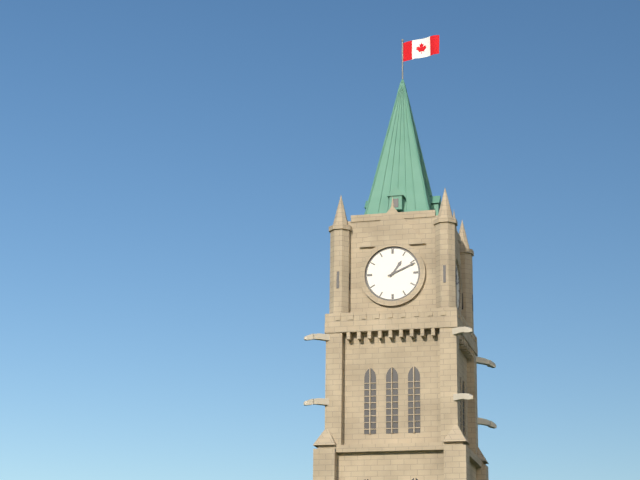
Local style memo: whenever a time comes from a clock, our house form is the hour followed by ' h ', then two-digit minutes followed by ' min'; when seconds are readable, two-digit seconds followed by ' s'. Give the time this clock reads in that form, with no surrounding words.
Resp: 1 h 11 min
